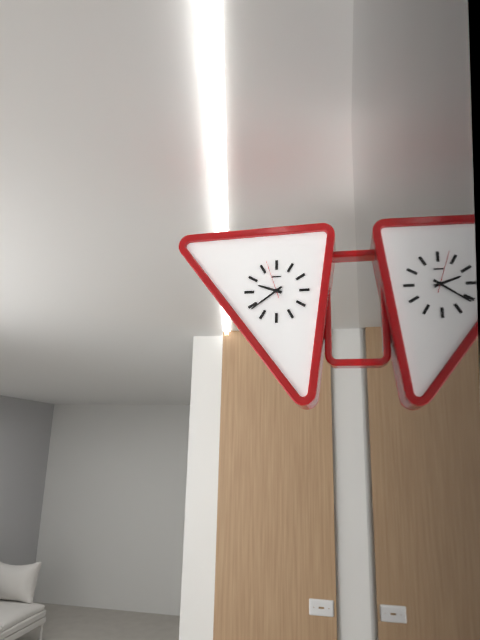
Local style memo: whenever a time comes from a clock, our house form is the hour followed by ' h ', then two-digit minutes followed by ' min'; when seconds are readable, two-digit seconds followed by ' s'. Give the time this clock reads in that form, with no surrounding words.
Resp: 9 h 39 min
